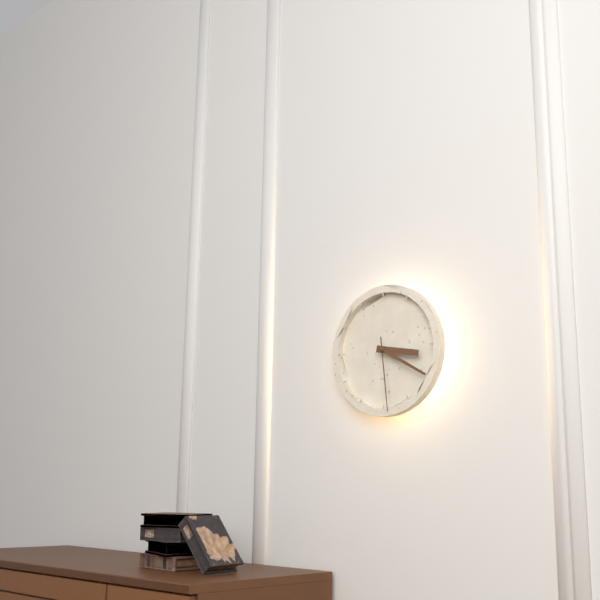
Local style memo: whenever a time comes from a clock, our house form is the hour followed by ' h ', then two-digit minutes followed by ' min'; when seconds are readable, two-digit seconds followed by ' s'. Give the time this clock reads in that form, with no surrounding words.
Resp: 3 h 20 min 29 s
